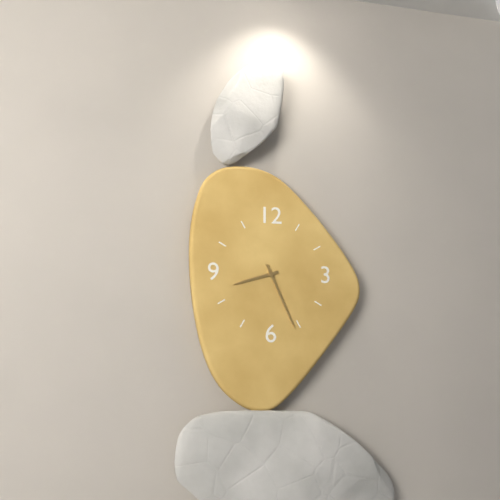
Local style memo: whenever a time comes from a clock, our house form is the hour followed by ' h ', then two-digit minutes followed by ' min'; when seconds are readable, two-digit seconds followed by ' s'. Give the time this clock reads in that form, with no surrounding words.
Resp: 8 h 26 min
